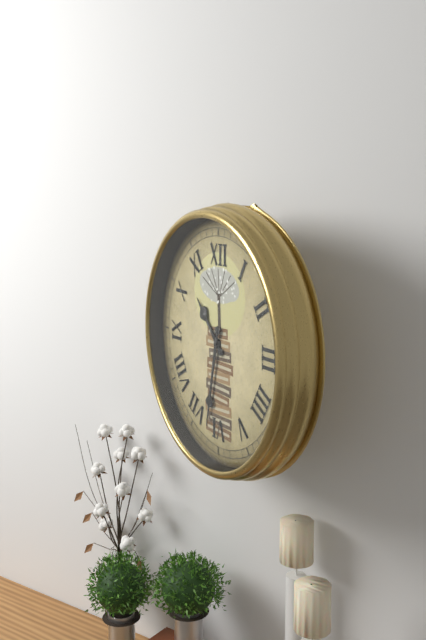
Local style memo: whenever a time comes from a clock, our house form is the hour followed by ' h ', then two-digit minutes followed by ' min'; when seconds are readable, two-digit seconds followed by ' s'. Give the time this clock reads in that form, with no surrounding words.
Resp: 10 h 32 min
